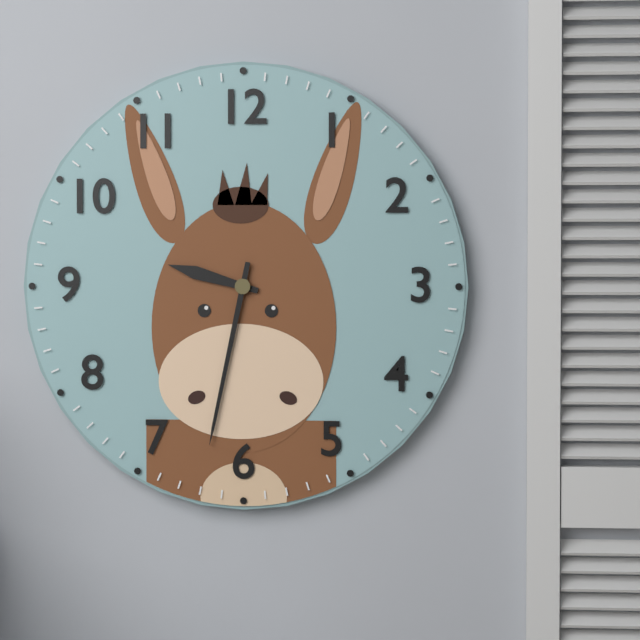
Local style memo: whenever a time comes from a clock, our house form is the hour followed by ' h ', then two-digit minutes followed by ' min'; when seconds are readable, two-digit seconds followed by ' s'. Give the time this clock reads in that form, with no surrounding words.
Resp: 9 h 32 min
